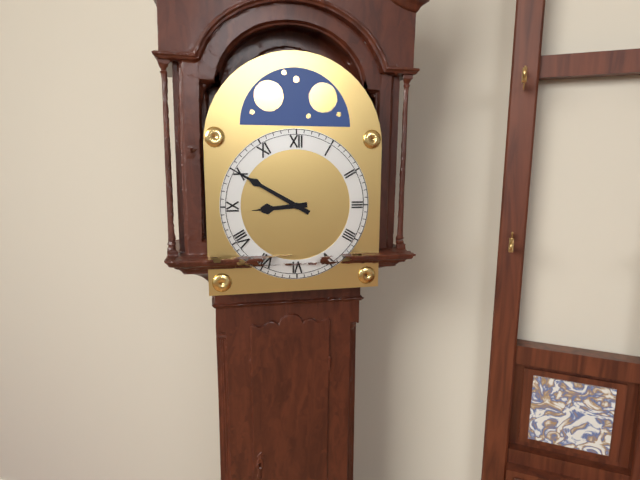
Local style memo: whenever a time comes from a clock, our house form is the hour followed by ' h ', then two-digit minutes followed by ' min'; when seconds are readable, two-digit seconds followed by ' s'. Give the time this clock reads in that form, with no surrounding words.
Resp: 8 h 50 min
